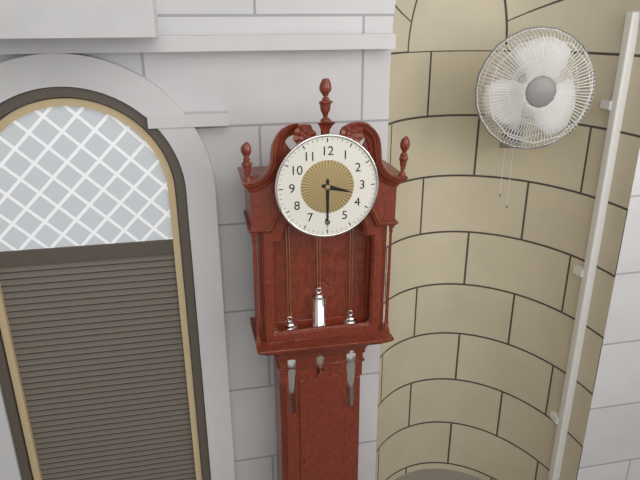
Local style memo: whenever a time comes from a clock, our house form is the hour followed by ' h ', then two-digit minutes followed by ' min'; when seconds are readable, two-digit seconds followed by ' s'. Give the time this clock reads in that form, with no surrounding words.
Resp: 3 h 30 min
